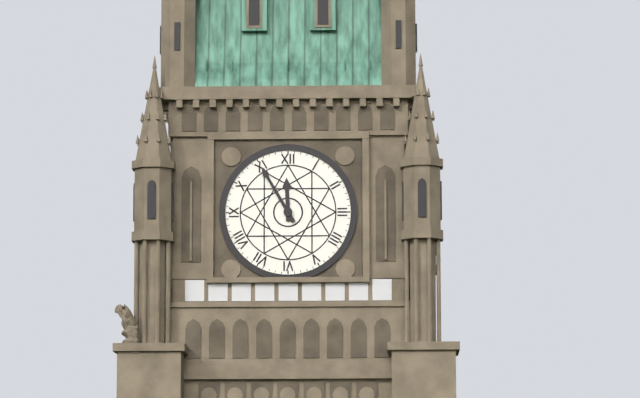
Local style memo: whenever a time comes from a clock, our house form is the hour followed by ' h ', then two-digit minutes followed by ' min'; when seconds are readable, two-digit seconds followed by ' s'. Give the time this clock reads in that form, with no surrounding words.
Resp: 11 h 55 min
